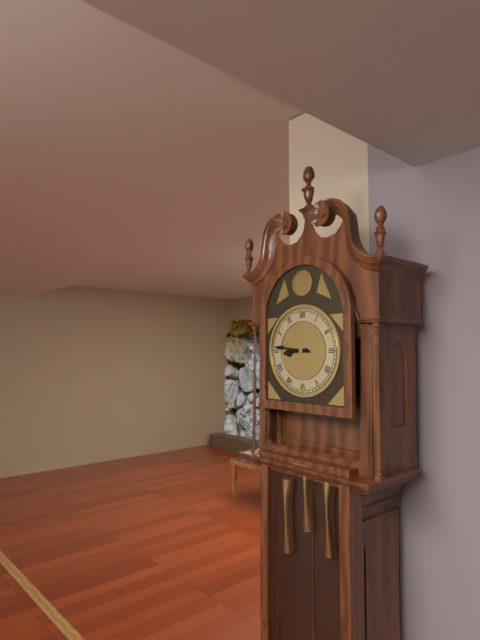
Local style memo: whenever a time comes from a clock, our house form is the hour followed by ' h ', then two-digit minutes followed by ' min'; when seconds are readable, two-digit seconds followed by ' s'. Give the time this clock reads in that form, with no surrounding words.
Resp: 8 h 46 min
